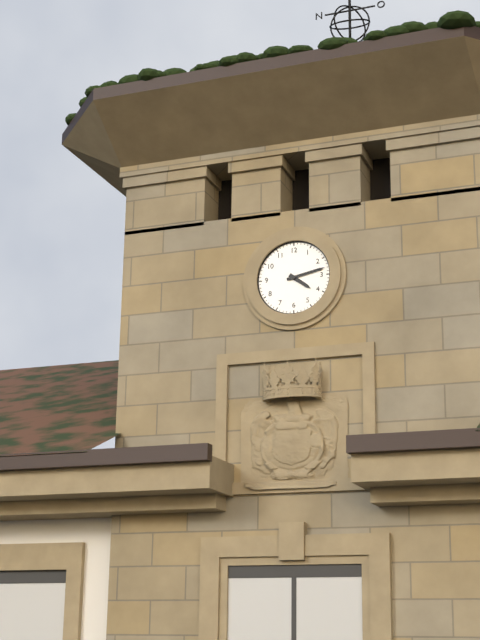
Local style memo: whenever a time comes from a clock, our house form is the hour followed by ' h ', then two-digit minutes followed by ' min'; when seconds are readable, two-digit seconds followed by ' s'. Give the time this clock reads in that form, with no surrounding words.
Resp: 4 h 13 min
